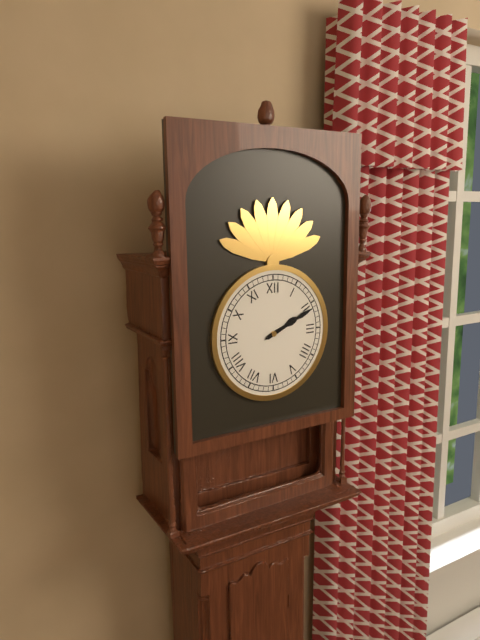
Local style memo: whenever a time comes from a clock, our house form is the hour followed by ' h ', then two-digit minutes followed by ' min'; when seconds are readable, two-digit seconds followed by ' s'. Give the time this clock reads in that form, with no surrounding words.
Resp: 2 h 11 min
